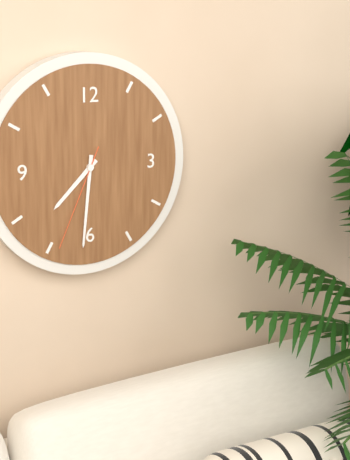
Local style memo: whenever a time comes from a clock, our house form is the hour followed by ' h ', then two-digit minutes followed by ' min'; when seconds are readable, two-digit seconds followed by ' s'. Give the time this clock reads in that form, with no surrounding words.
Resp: 7 h 31 min 34 s
